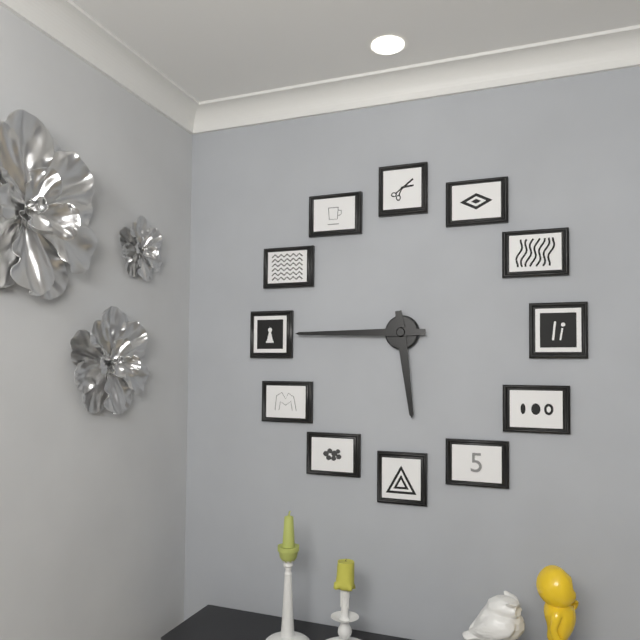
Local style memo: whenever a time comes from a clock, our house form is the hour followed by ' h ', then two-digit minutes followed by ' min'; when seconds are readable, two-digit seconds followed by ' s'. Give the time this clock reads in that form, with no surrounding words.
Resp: 5 h 45 min
